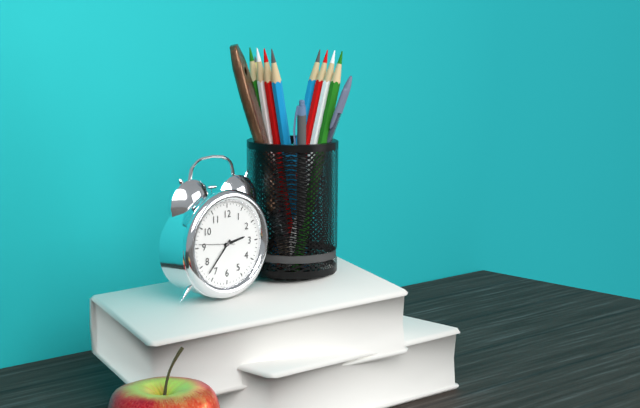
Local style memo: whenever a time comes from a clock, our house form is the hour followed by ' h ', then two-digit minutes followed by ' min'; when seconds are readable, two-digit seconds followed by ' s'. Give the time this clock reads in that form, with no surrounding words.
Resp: 2 h 37 min
